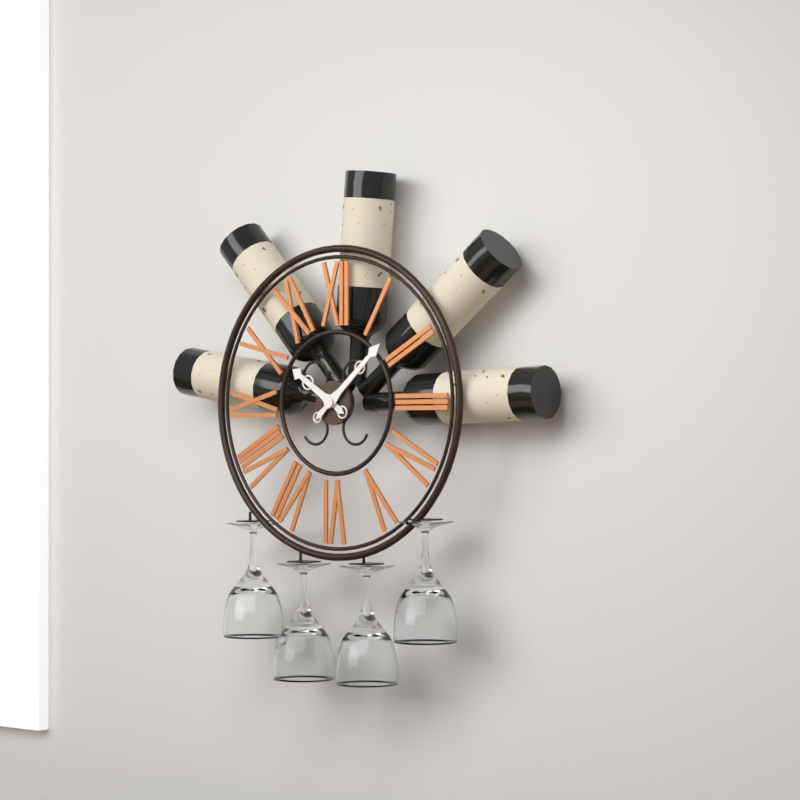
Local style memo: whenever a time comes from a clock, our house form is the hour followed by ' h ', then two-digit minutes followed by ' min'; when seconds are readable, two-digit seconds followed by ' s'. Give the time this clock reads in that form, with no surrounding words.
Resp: 10 h 08 min
